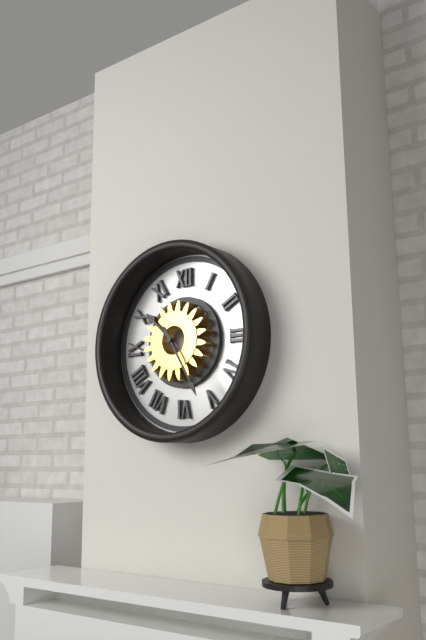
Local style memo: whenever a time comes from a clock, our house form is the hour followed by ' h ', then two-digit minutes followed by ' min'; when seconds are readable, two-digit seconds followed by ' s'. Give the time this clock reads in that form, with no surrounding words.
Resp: 10 h 25 min
